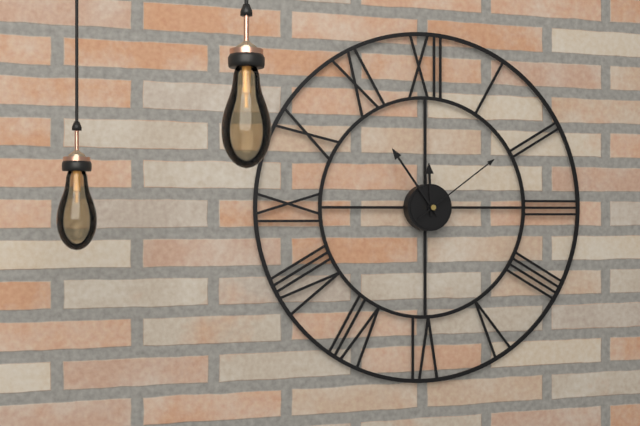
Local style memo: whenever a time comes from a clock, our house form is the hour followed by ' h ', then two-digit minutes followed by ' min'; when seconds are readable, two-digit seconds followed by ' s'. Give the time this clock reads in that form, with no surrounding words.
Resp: 11 h 54 min 09 s
